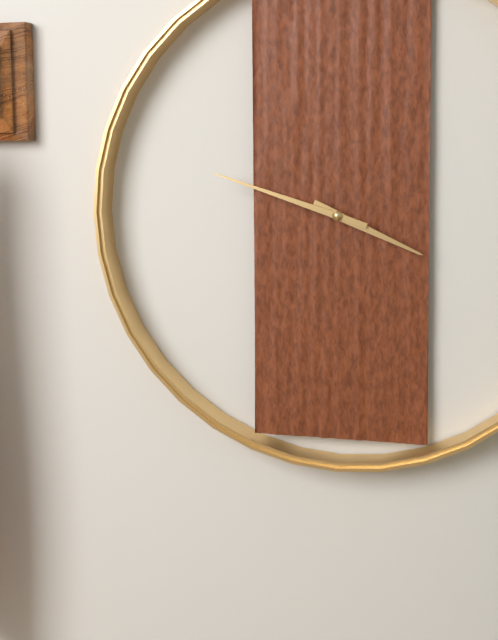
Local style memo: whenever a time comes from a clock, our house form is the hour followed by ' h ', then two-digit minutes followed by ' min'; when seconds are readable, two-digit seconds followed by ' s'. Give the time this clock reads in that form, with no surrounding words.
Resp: 3 h 48 min
